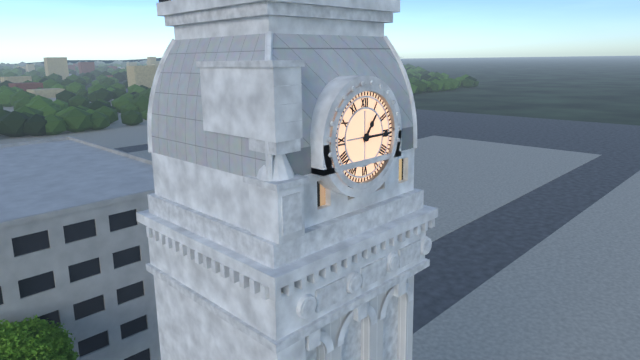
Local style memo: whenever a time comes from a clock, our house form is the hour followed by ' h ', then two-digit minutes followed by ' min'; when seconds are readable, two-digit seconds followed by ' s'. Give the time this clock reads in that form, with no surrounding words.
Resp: 1 h 15 min
